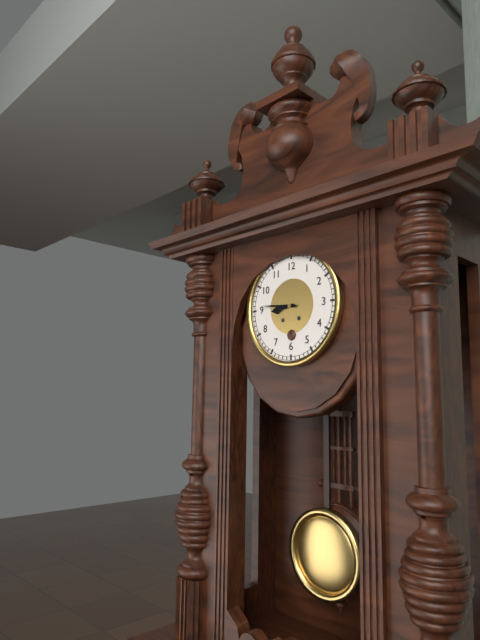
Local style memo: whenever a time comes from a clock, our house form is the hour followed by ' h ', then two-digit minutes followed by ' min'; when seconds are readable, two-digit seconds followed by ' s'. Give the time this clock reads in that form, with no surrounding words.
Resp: 8 h 46 min
